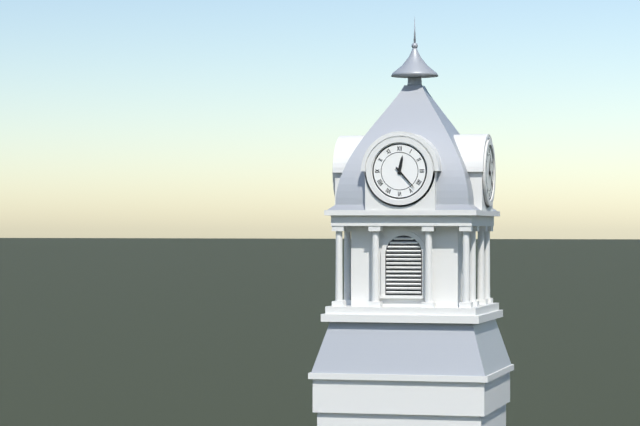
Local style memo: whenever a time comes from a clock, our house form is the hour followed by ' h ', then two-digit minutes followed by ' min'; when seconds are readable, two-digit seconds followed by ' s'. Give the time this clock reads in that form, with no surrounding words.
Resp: 12 h 23 min
